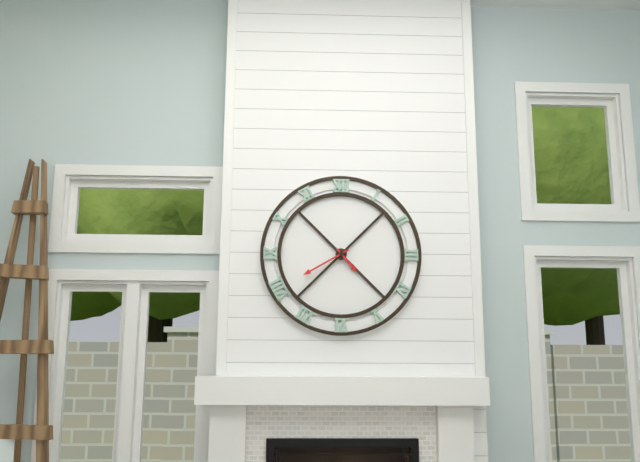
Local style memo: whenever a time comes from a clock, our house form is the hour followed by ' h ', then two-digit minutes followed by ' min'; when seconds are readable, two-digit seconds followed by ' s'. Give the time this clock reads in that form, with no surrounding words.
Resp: 4 h 40 min
